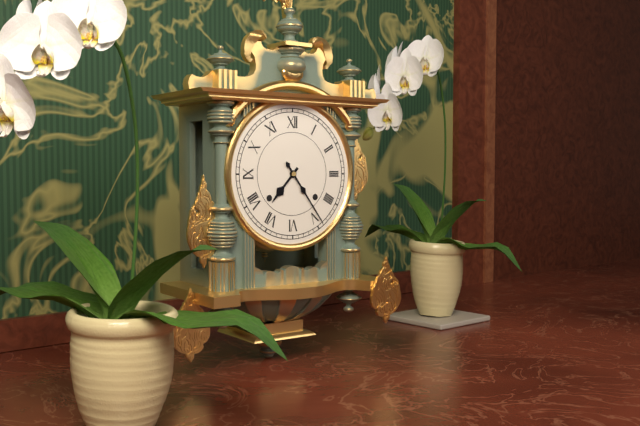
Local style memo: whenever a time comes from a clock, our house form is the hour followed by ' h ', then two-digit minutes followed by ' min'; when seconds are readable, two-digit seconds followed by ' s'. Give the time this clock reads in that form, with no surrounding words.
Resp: 7 h 24 min
